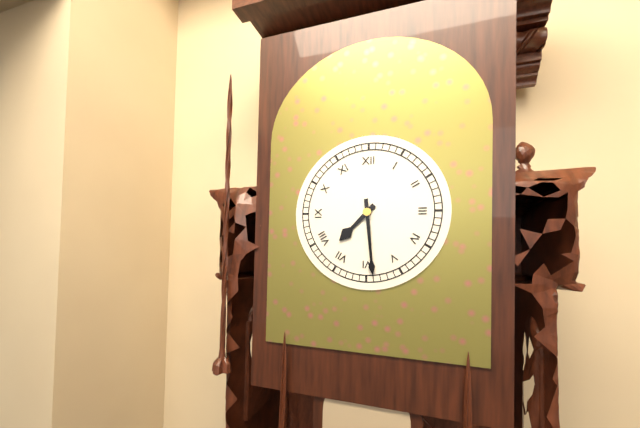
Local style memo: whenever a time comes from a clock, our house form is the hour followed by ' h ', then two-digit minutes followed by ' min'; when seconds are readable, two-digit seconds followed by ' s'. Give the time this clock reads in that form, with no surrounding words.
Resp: 7 h 29 min
